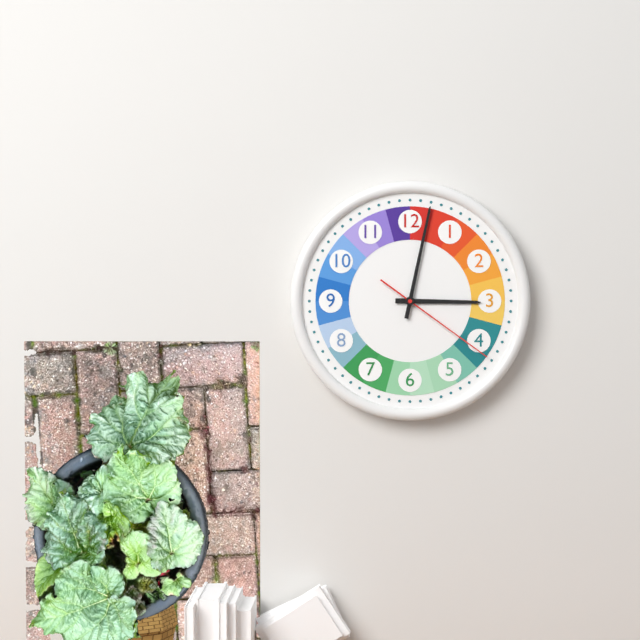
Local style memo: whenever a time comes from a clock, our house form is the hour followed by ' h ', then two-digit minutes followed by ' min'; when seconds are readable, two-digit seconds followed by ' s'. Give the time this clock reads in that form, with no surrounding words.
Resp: 3 h 02 min 21 s
